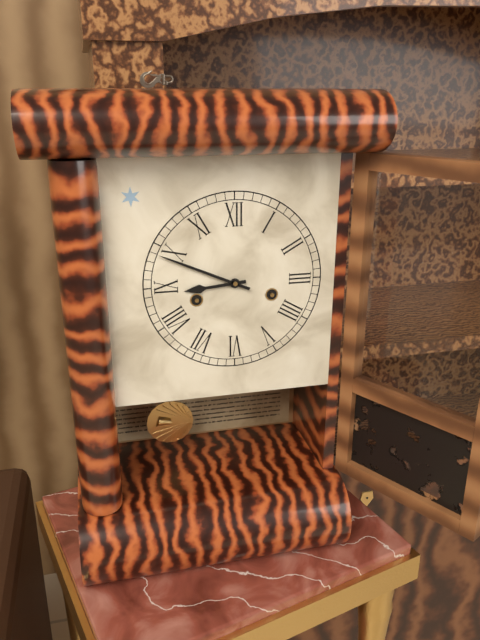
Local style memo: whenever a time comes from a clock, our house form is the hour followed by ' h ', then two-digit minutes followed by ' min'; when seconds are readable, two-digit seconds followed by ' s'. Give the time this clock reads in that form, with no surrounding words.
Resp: 8 h 49 min
